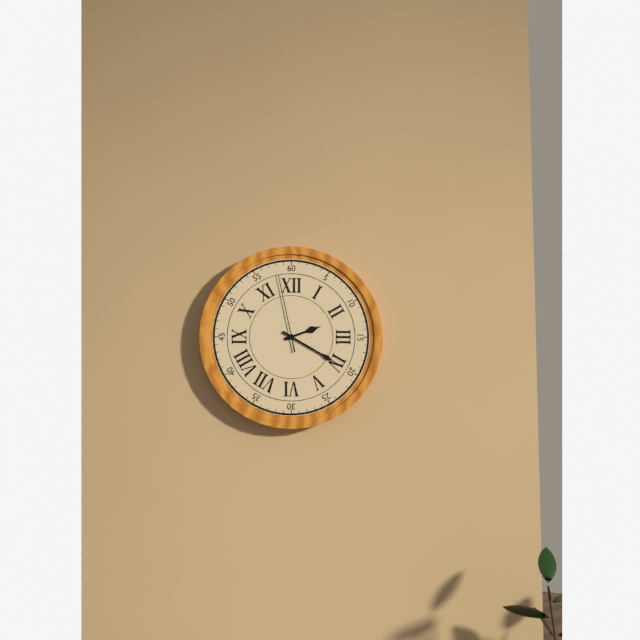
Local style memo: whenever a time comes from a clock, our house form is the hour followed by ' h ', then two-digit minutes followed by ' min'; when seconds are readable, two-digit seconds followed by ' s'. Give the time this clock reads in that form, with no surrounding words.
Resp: 2 h 20 min 58 s
